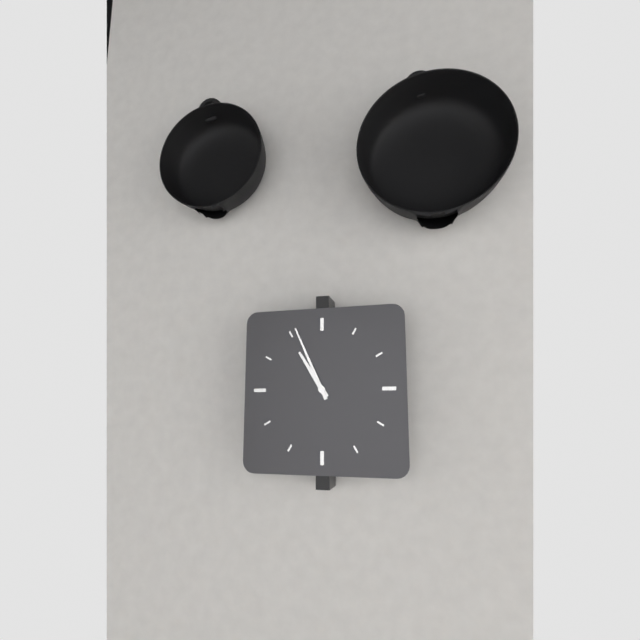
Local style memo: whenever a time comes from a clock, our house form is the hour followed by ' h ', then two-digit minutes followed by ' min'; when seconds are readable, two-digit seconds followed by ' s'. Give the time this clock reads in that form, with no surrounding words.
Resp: 10 h 56 min
